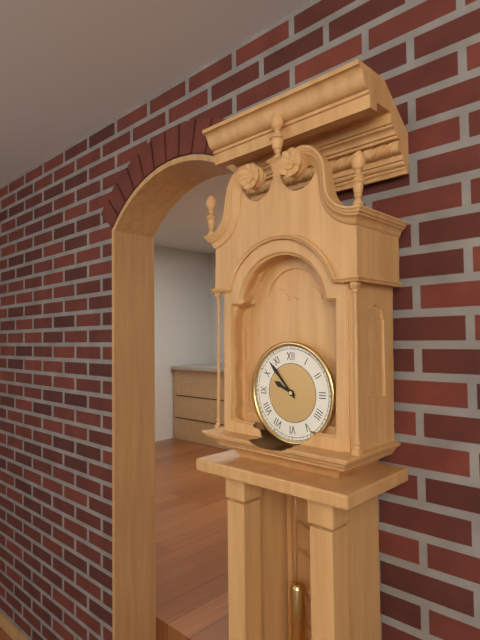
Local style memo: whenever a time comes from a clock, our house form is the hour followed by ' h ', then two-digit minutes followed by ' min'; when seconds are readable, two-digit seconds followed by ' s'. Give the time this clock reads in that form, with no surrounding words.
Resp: 9 h 53 min
